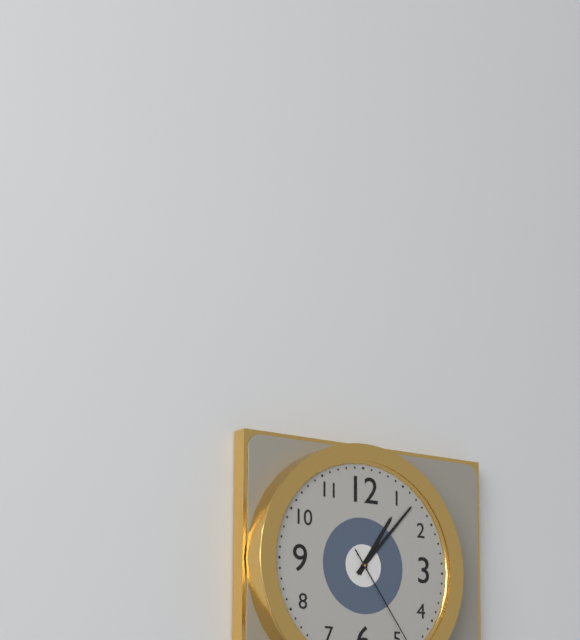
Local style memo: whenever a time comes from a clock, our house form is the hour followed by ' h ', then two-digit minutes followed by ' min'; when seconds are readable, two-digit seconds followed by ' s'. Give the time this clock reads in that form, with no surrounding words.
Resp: 1 h 07 min
